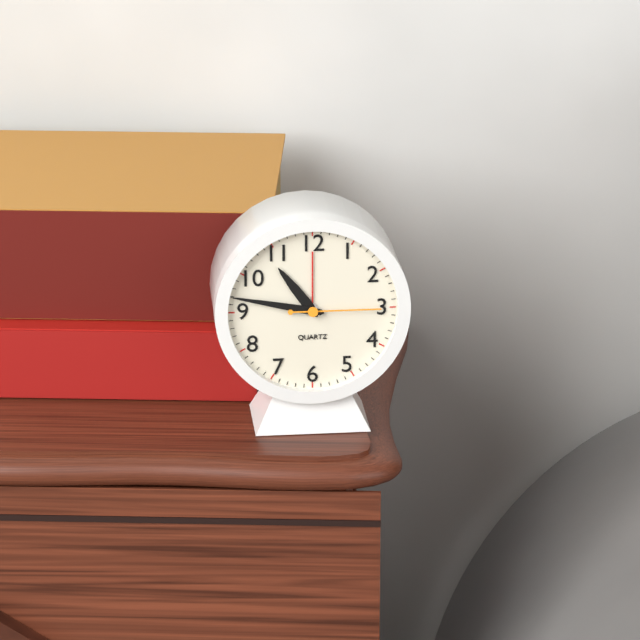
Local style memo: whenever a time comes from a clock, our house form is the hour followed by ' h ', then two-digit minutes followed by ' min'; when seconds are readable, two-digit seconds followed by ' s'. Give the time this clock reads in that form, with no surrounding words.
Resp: 10 h 47 min 15 s
